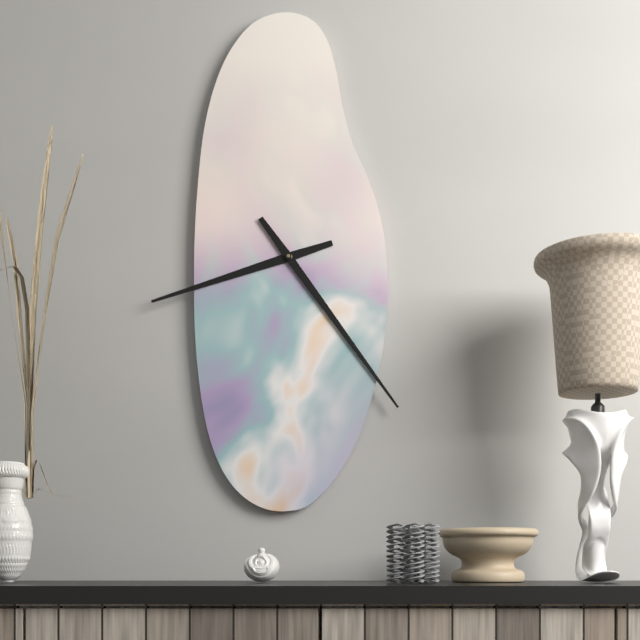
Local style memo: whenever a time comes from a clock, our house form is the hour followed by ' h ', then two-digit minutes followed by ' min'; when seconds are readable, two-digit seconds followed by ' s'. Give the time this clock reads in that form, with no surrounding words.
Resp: 8 h 24 min
